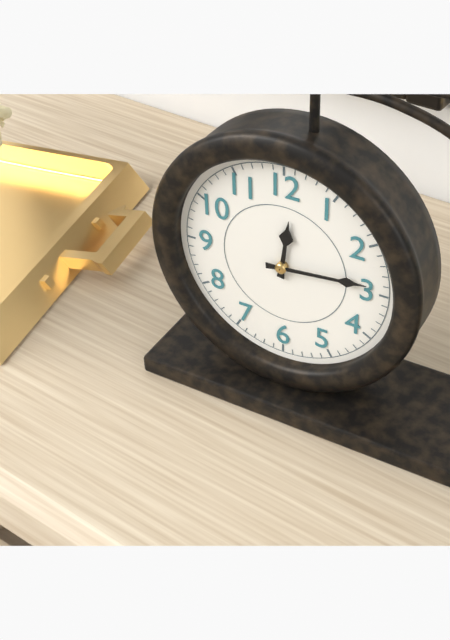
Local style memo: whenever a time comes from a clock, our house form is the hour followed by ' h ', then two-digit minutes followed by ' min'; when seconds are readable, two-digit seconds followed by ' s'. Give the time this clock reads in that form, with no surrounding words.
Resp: 12 h 14 min
